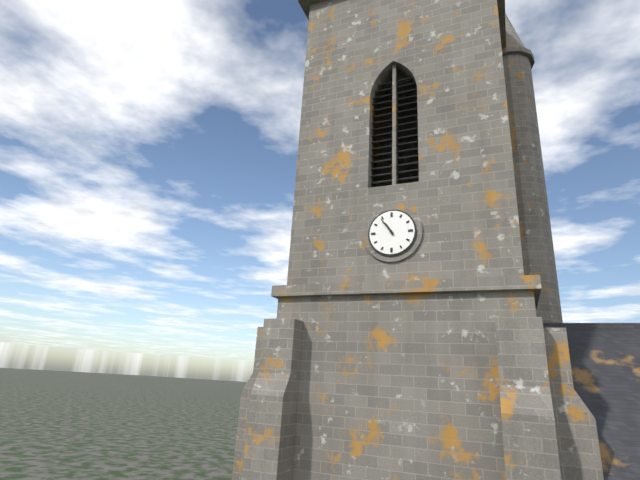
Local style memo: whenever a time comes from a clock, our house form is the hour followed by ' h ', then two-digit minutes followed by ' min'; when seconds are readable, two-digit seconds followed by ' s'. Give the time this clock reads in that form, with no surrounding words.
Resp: 10 h 54 min
